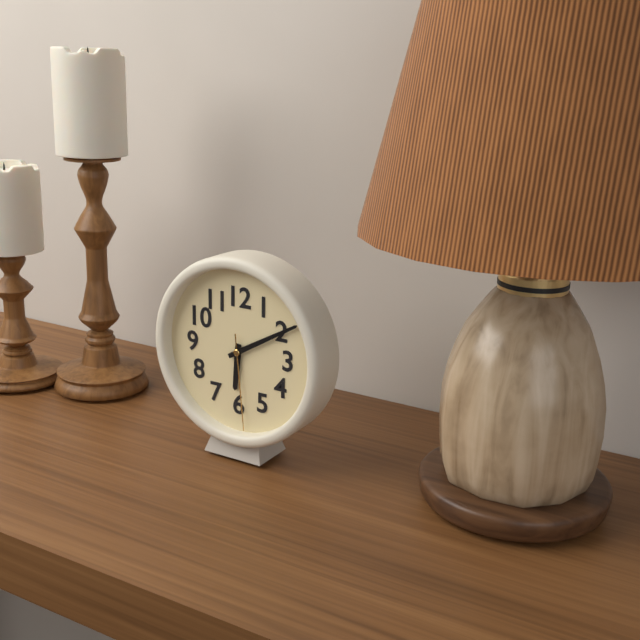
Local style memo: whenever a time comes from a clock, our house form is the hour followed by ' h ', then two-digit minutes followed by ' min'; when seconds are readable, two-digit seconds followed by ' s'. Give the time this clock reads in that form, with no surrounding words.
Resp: 6 h 10 min 29 s
